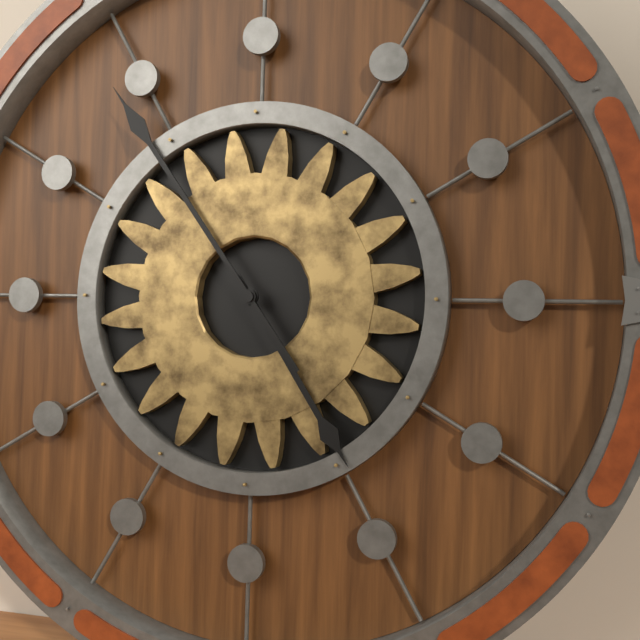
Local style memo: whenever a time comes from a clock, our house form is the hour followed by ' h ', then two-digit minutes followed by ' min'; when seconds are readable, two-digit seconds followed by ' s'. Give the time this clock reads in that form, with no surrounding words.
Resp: 4 h 54 min
